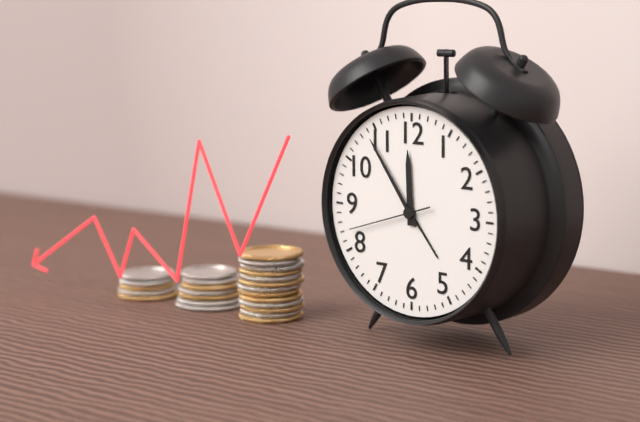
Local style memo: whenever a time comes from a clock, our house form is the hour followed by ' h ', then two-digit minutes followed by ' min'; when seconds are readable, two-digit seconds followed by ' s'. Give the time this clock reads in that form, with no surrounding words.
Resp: 11 h 54 min 42 s
